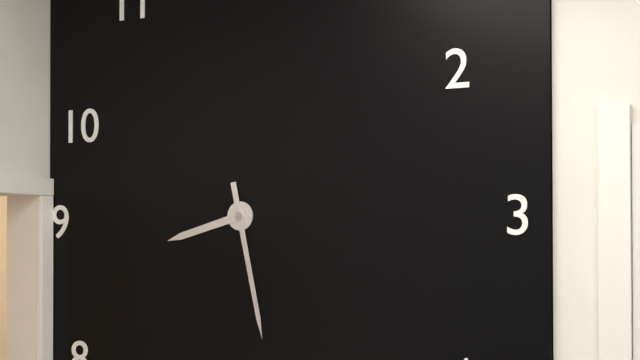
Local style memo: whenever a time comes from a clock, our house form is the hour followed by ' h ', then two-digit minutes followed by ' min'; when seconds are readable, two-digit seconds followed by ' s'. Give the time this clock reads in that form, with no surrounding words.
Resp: 8 h 28 min
